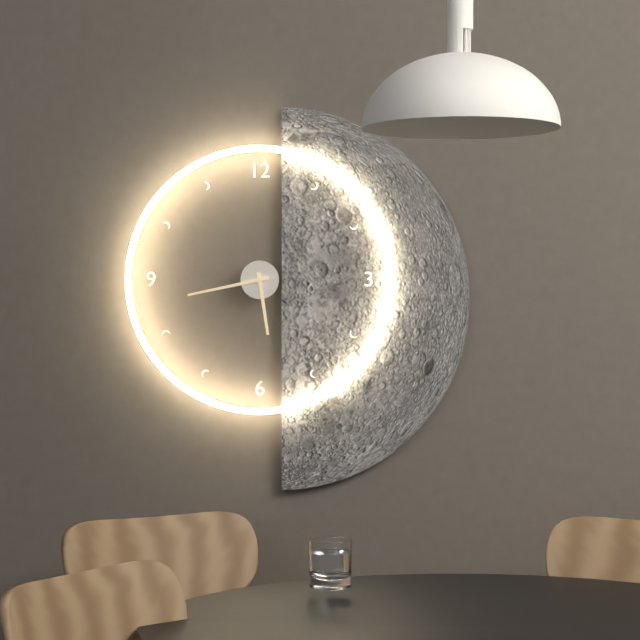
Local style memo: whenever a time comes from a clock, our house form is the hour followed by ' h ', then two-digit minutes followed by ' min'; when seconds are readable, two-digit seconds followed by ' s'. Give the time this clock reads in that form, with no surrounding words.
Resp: 5 h 43 min
